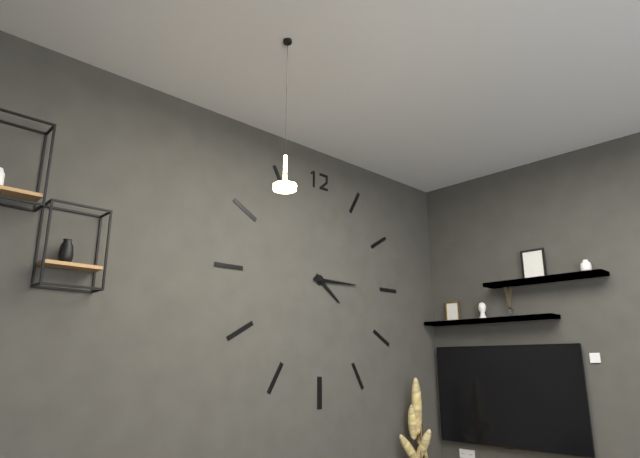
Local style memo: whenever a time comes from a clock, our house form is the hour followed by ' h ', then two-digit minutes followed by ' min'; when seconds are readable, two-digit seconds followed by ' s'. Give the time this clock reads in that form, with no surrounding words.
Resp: 4 h 15 min
